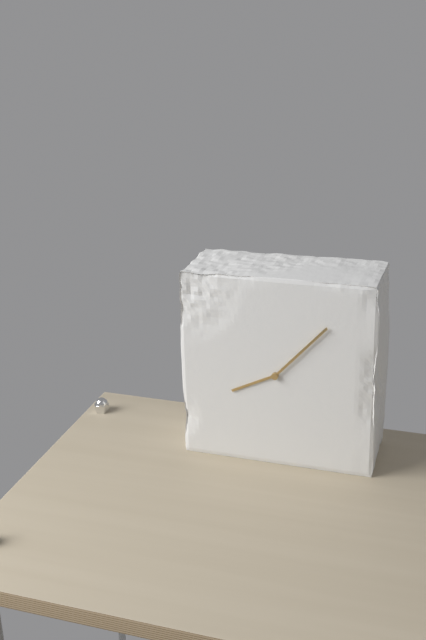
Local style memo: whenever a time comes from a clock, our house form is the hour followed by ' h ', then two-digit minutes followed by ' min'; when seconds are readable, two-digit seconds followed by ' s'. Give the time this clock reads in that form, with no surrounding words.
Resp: 8 h 07 min
